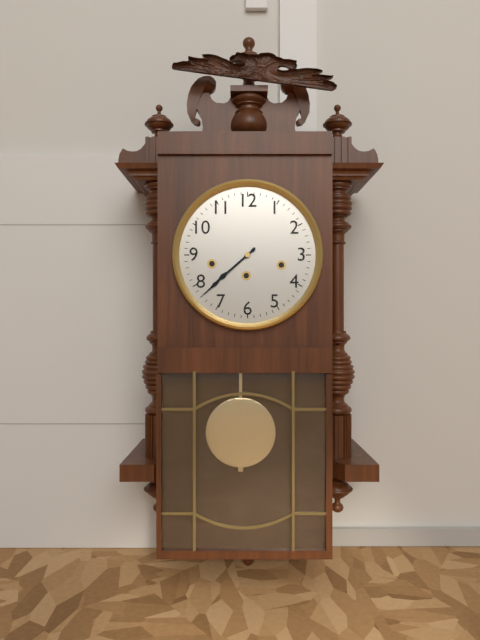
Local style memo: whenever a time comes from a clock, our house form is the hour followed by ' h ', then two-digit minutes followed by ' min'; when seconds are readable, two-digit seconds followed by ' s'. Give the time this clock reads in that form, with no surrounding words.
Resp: 7 h 38 min
